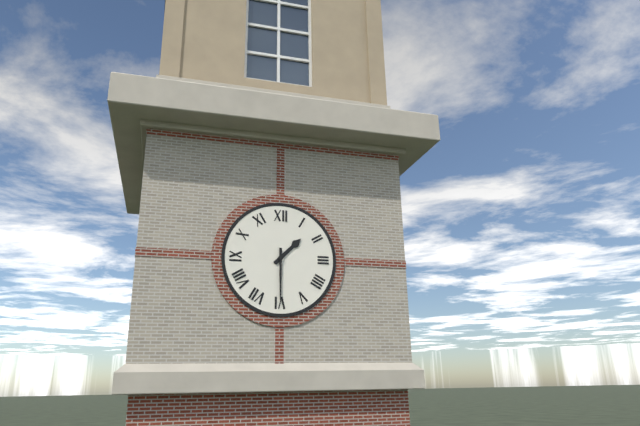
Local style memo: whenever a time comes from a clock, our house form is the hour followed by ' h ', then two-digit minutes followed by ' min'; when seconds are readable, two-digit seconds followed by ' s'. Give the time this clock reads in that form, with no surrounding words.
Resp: 1 h 30 min
